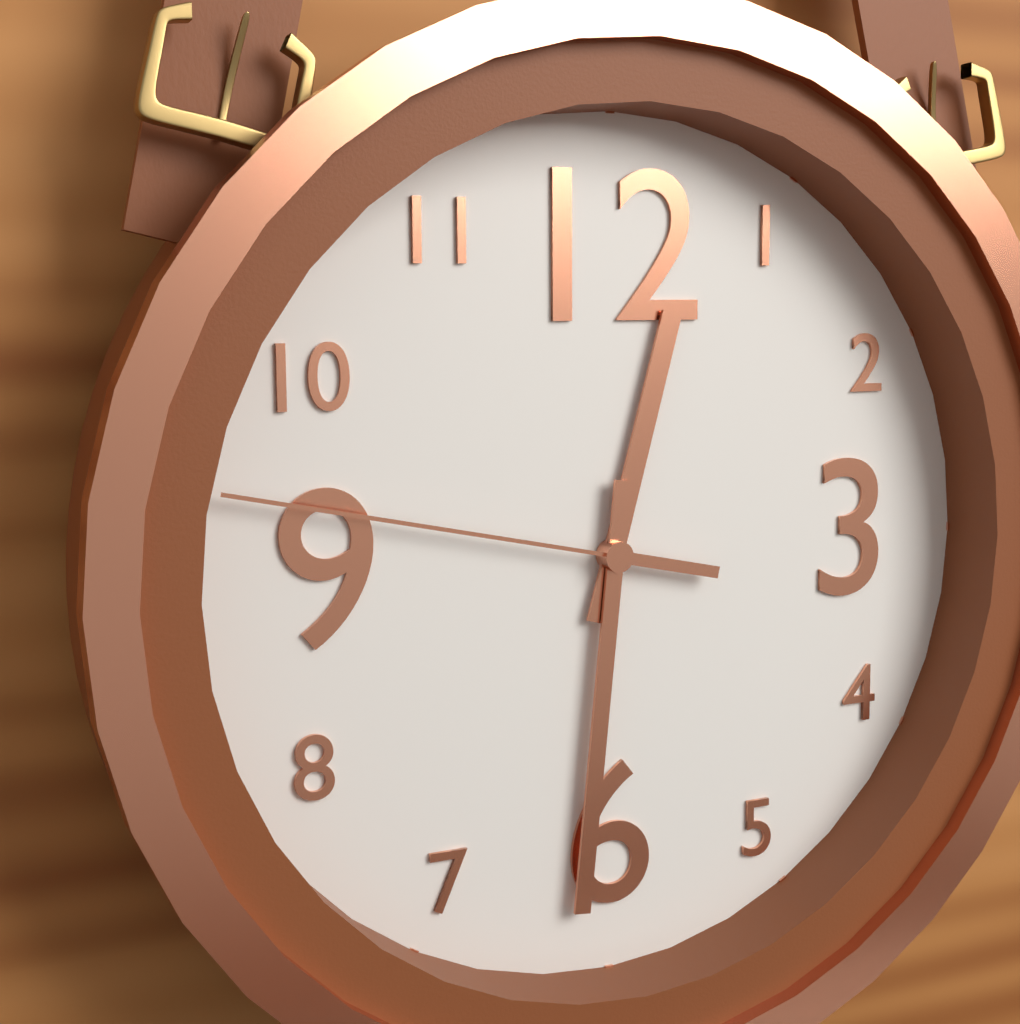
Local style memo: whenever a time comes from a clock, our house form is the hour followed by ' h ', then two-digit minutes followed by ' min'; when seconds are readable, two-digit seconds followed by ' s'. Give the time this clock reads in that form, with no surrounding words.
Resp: 12 h 31 min 47 s
